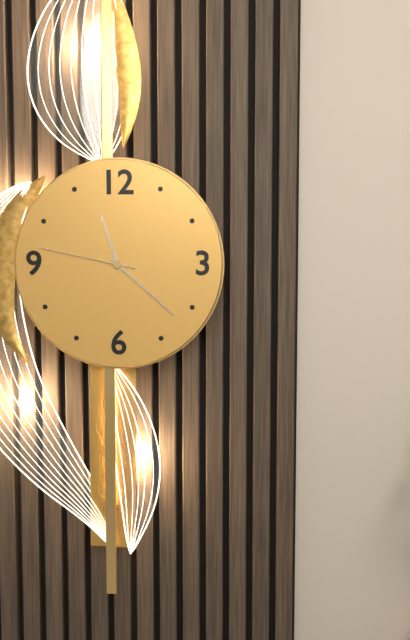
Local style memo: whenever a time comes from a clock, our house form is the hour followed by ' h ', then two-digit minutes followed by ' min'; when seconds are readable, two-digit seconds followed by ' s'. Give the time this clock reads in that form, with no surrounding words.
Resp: 11 h 22 min 47 s
